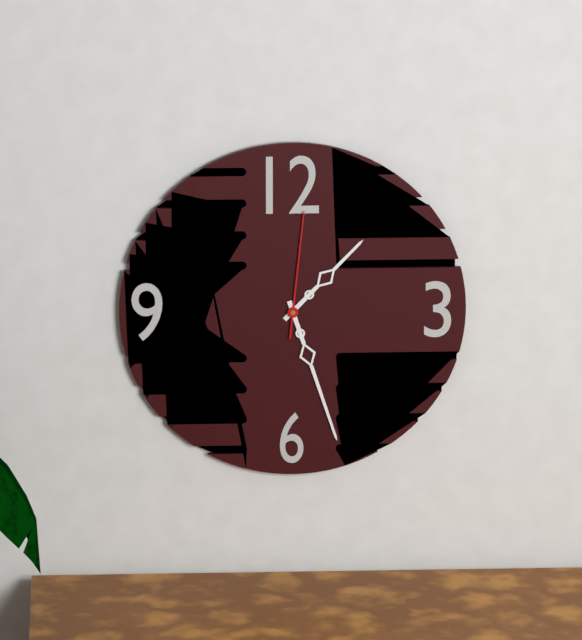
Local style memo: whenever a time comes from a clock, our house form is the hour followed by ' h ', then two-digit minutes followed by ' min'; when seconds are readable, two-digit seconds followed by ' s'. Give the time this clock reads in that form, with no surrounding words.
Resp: 1 h 27 min 01 s
